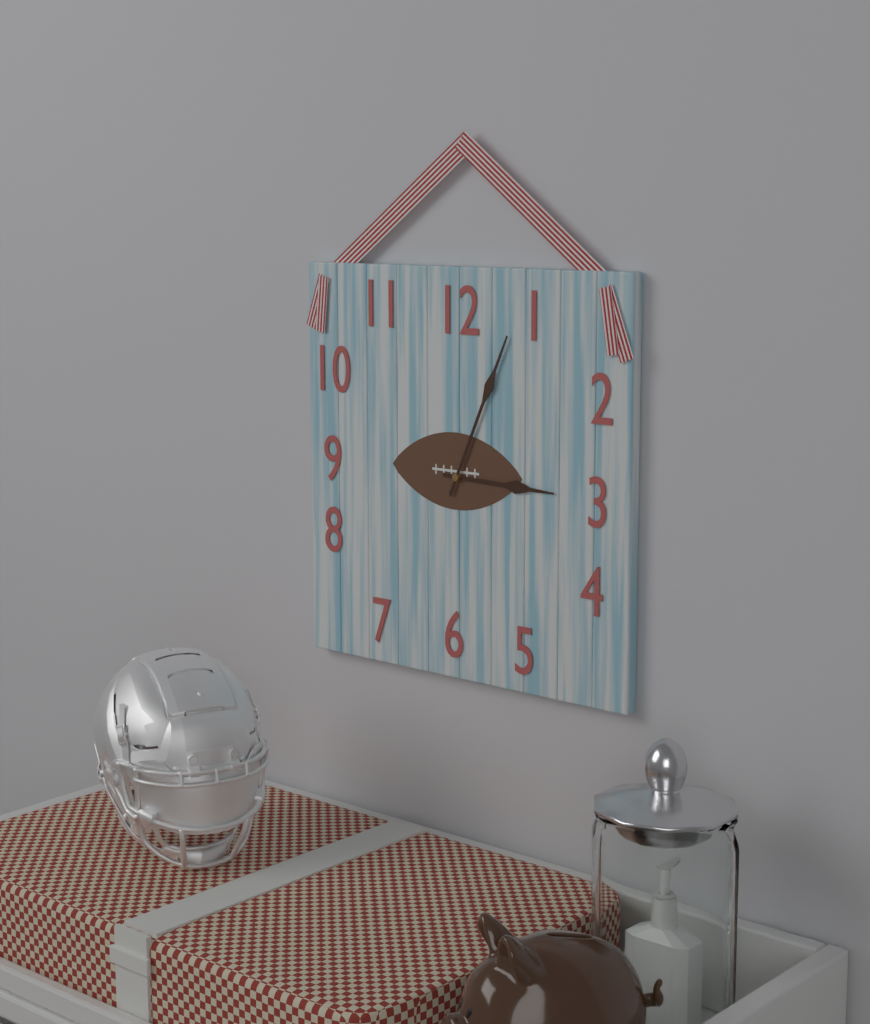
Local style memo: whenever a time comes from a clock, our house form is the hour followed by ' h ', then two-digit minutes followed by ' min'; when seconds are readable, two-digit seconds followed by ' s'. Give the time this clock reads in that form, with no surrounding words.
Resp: 3 h 04 min
